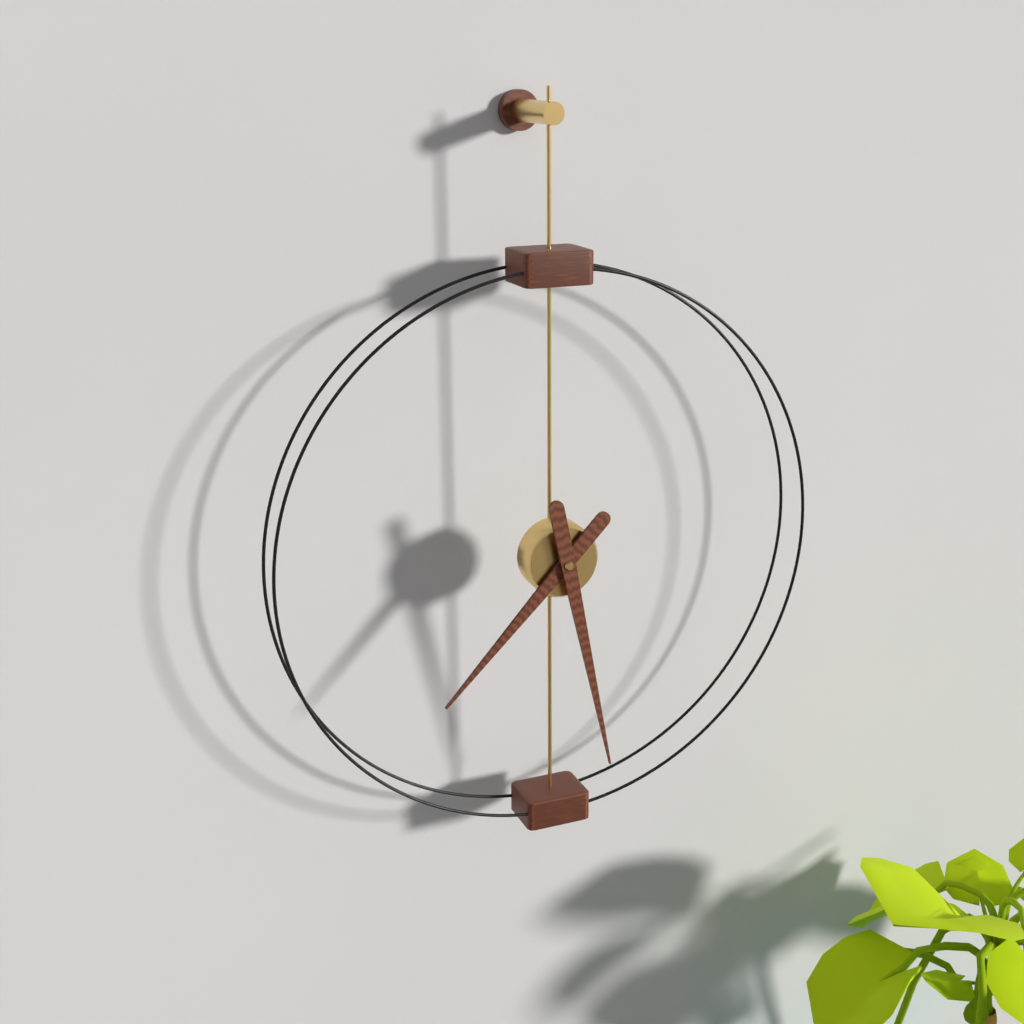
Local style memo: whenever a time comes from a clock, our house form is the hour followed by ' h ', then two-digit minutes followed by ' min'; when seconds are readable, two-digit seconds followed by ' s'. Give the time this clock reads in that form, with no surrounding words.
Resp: 7 h 28 min
